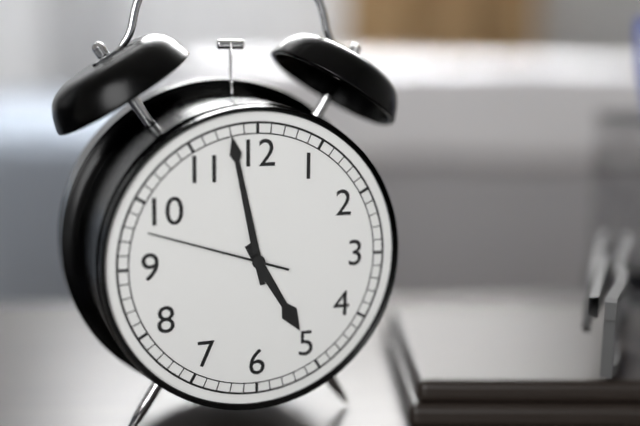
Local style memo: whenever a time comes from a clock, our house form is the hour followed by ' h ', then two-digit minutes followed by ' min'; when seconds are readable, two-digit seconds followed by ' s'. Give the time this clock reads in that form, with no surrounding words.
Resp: 4 h 58 min 48 s
